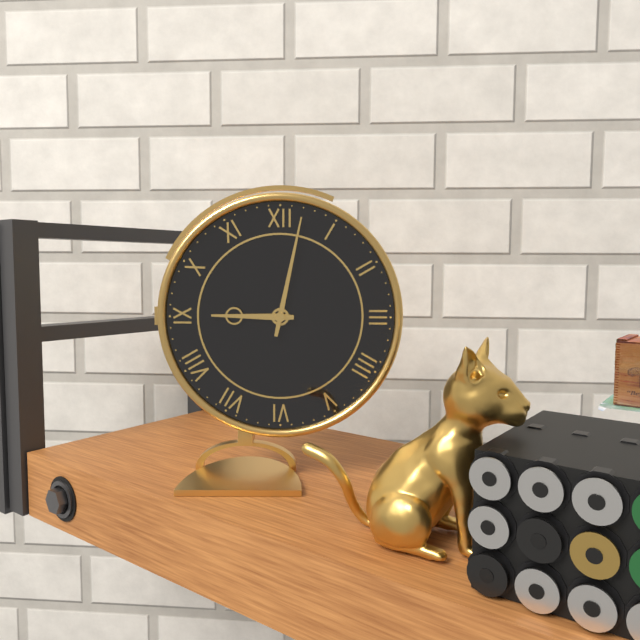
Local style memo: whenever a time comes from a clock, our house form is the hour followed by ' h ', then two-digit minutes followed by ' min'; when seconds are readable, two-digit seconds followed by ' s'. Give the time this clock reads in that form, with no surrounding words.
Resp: 9 h 02 min
